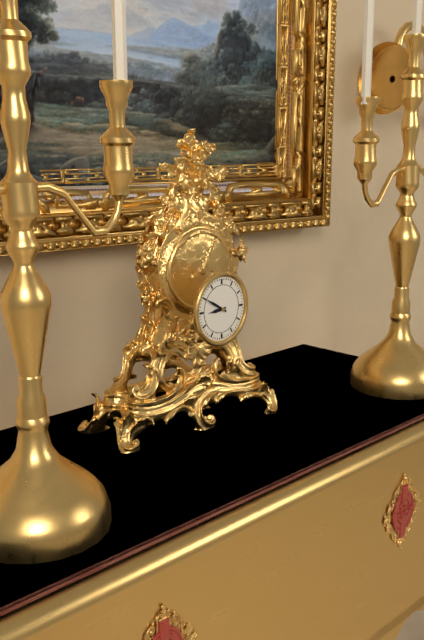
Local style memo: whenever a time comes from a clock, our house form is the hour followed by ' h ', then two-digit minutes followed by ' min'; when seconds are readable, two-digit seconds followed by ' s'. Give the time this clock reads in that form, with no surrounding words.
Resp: 8 h 50 min
